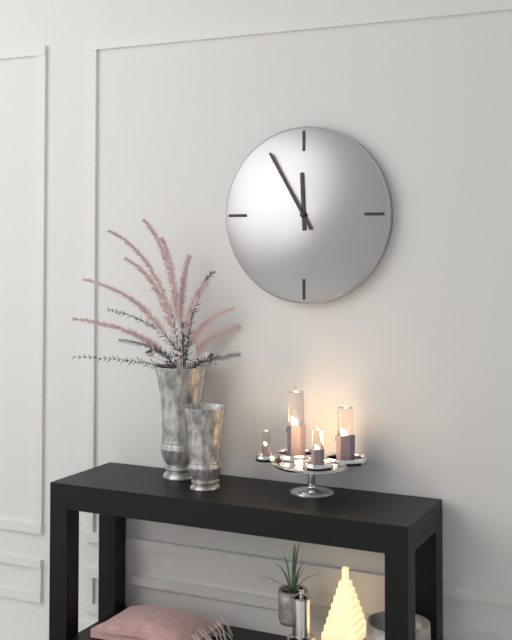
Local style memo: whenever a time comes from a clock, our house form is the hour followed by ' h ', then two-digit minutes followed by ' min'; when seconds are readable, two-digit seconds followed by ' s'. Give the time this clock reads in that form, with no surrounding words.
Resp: 11 h 55 min
